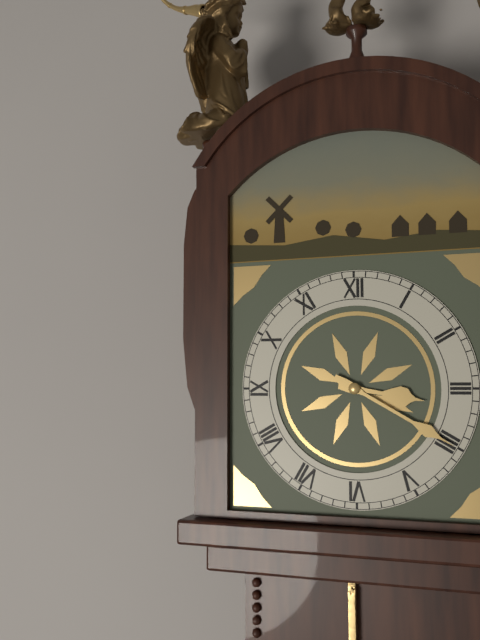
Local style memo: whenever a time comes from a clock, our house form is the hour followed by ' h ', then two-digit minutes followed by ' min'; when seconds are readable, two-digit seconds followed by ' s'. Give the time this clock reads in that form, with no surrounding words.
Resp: 3 h 20 min
